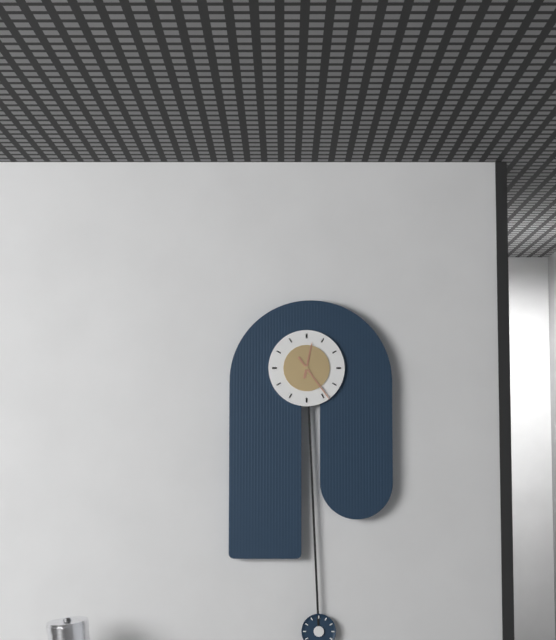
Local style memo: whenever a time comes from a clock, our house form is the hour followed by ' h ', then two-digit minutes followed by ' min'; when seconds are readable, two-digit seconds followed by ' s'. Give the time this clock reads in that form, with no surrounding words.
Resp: 12 h 24 min
